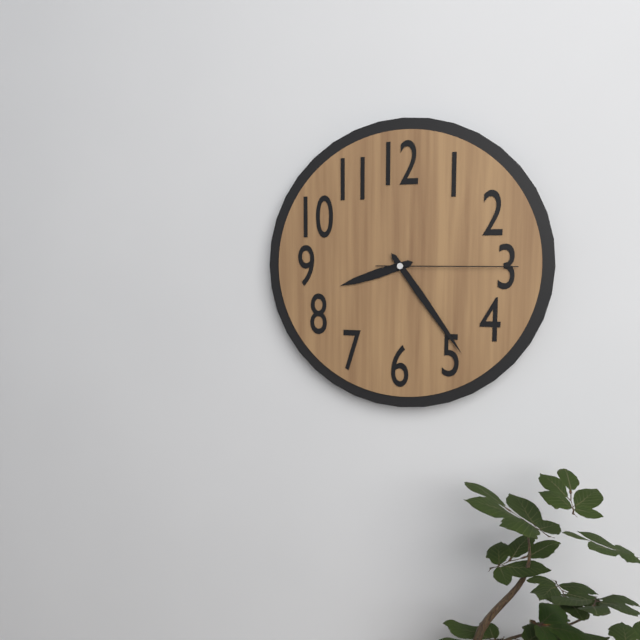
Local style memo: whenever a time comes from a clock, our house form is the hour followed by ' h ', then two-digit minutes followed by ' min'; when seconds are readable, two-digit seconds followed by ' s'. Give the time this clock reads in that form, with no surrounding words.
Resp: 8 h 24 min 15 s
